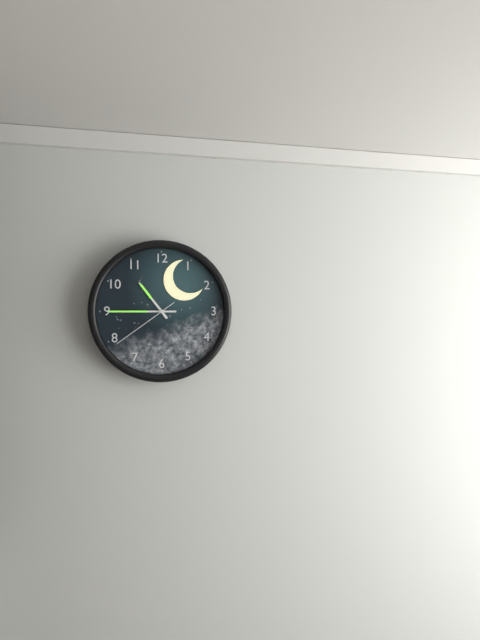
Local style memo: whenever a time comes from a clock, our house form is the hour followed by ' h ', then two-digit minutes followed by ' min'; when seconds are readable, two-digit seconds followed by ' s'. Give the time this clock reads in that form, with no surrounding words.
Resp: 10 h 45 min 39 s
